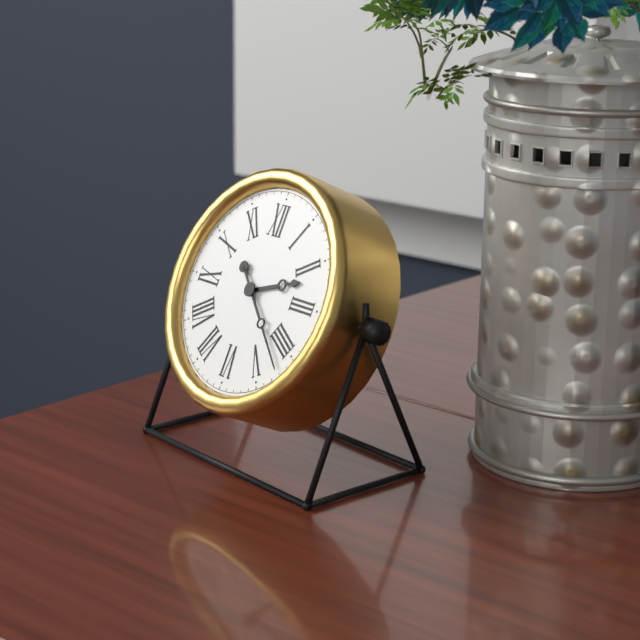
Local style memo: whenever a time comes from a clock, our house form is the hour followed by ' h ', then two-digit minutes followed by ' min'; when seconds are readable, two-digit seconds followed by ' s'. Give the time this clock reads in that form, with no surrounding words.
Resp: 2 h 22 min
